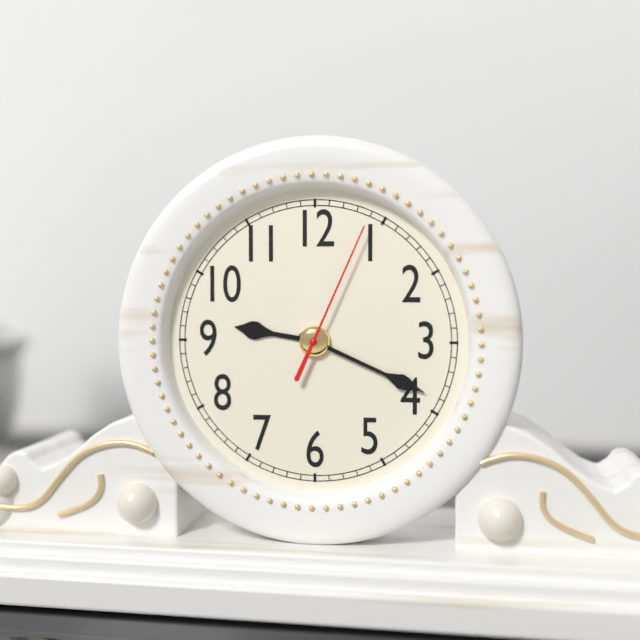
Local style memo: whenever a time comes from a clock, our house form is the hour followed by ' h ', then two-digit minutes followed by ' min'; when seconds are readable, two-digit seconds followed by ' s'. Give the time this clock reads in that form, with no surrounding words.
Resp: 9 h 19 min 04 s
